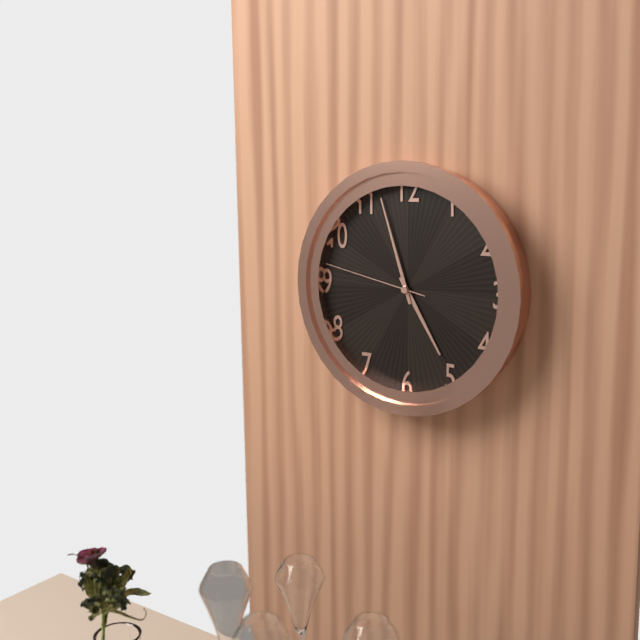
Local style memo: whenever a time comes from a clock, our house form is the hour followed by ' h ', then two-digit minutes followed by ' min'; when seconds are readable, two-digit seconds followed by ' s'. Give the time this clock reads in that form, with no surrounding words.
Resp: 4 h 57 min 47 s
